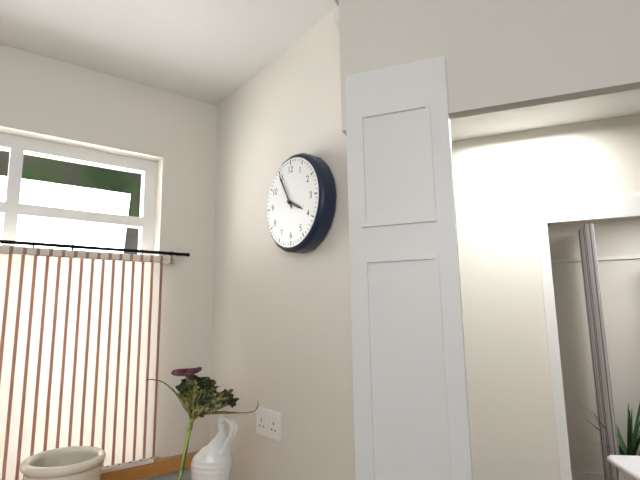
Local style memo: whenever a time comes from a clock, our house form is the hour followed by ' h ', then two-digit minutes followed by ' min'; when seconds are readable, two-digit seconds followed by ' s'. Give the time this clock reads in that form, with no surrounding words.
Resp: 3 h 55 min
